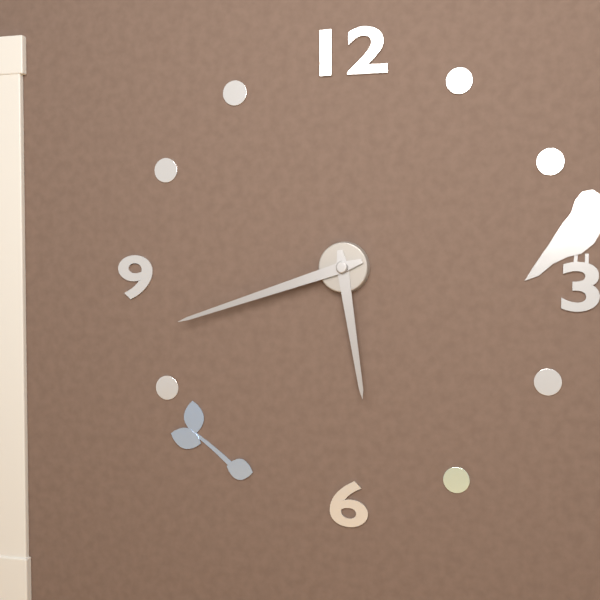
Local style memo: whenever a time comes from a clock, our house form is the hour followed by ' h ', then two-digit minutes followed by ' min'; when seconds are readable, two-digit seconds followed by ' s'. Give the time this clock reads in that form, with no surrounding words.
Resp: 5 h 42 min
